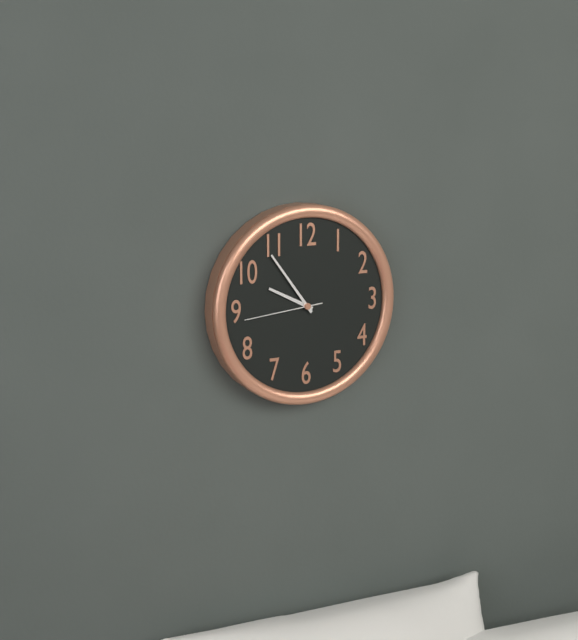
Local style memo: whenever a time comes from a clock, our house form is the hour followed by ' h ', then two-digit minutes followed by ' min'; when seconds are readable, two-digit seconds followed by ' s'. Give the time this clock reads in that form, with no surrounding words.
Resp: 9 h 54 min 44 s
